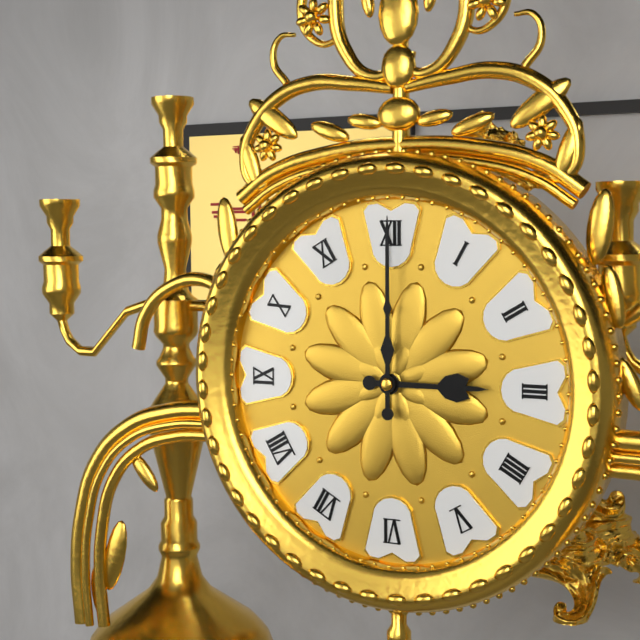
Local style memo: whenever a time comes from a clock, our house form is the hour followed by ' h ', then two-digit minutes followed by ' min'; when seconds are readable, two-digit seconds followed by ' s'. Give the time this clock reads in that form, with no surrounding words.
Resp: 3 h 00 min
